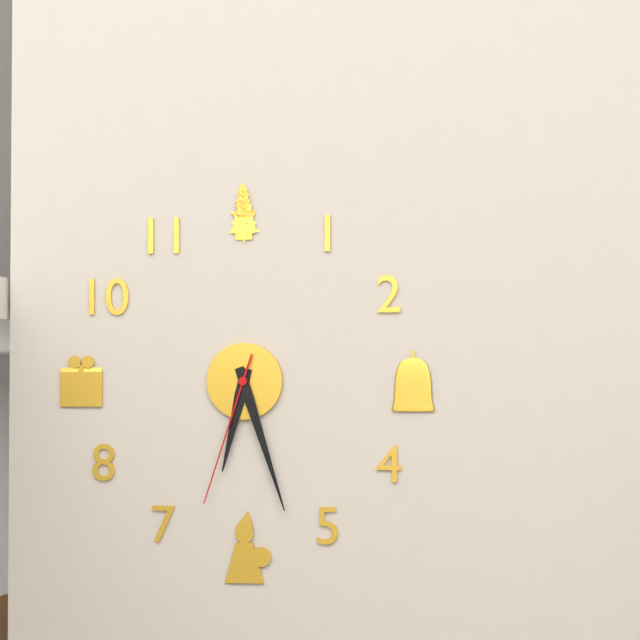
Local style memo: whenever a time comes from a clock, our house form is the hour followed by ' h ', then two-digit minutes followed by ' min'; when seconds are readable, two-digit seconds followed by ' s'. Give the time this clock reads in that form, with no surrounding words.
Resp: 6 h 27 min 33 s
